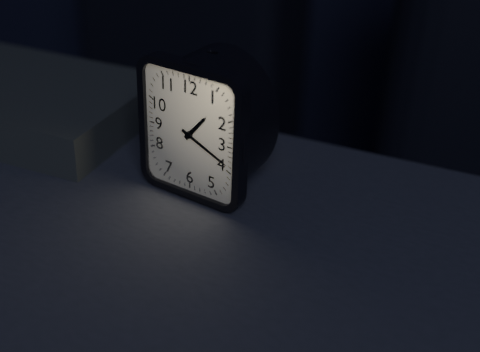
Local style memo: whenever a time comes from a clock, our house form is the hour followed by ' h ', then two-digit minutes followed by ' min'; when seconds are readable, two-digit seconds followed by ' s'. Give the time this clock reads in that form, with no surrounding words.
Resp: 1 h 19 min
